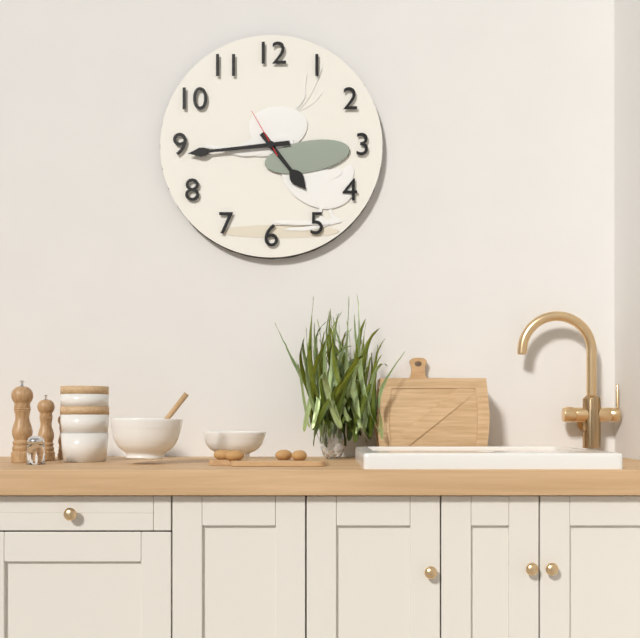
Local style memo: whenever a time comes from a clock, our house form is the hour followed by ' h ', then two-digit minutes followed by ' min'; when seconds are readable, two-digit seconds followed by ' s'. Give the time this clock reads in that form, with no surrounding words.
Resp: 4 h 44 min 55 s
